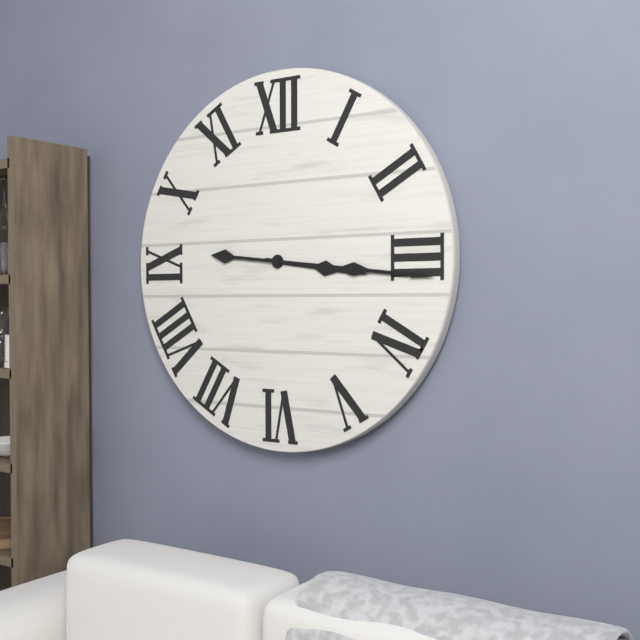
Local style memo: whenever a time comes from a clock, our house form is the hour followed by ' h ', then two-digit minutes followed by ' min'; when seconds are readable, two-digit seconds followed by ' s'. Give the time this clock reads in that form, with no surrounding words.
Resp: 3 h 16 min
